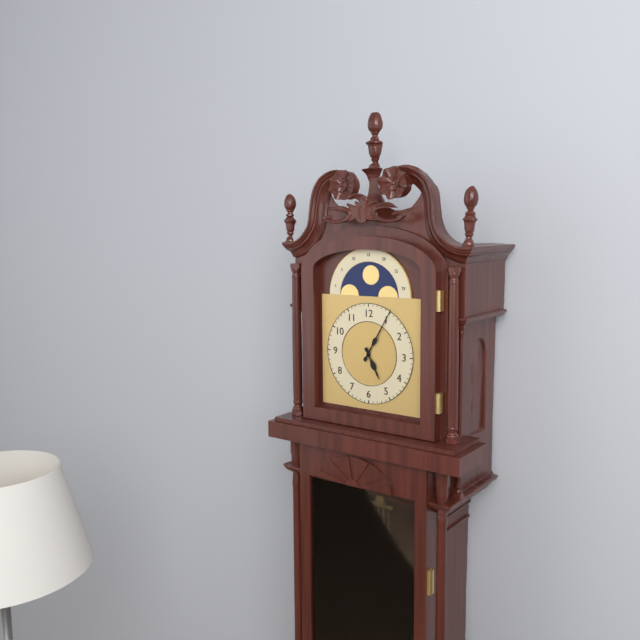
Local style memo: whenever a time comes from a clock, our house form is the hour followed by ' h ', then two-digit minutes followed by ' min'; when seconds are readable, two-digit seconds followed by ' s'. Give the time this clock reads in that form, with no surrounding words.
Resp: 5 h 05 min
